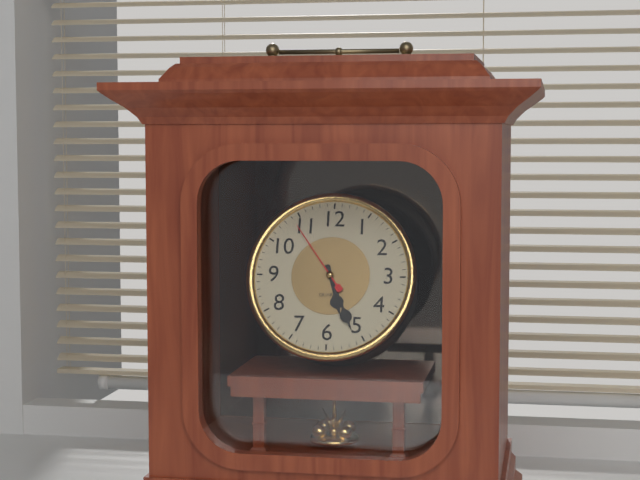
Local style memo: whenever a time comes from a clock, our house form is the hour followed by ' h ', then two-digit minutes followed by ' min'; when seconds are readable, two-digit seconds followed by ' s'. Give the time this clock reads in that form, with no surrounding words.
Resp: 5 h 26 min 54 s
